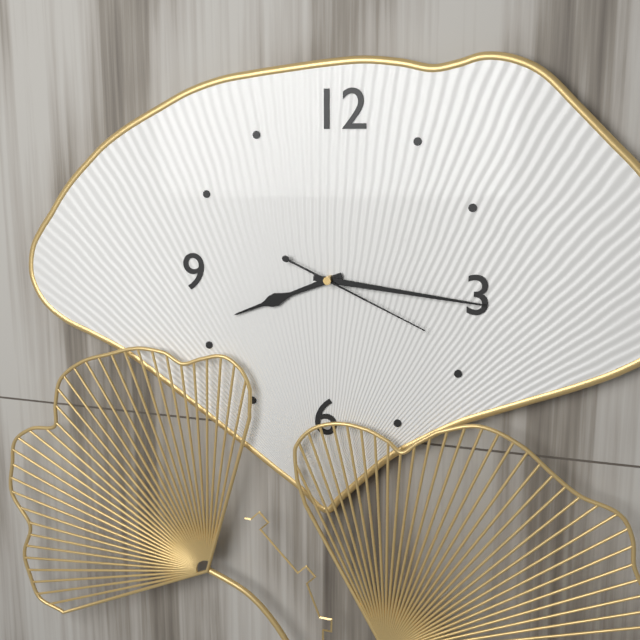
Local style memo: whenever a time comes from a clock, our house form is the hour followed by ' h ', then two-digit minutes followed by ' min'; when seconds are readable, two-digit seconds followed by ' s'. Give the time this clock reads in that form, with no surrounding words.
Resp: 8 h 16 min 19 s
